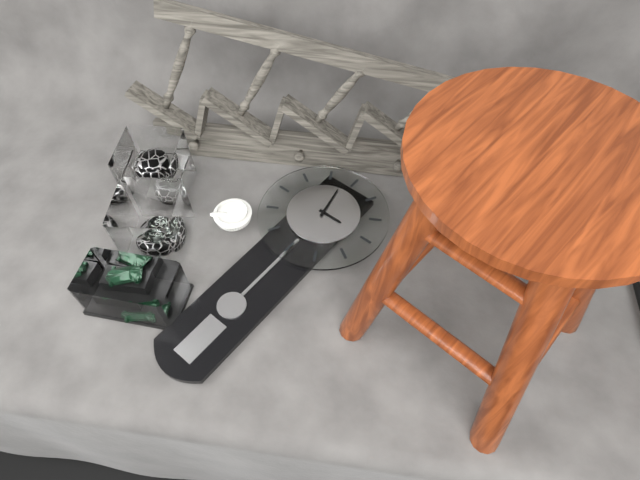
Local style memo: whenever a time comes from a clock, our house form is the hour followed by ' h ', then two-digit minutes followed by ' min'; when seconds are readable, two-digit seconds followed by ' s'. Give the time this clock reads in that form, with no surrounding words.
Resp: 2 h 58 min
